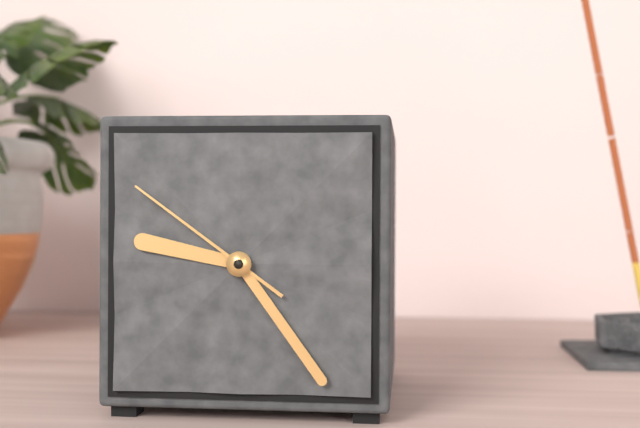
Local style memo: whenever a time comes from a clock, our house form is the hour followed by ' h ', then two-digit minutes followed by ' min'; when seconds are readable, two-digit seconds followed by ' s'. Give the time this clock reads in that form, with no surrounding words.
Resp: 9 h 24 min 51 s
